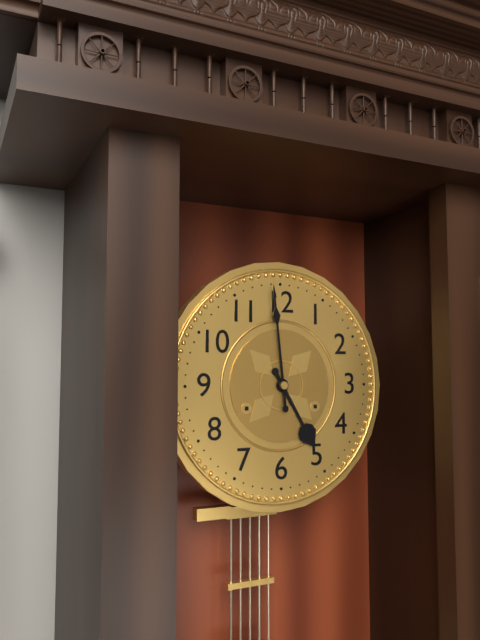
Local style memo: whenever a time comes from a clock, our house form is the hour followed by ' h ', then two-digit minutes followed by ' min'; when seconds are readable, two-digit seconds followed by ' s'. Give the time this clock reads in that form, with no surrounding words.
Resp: 4 h 59 min
